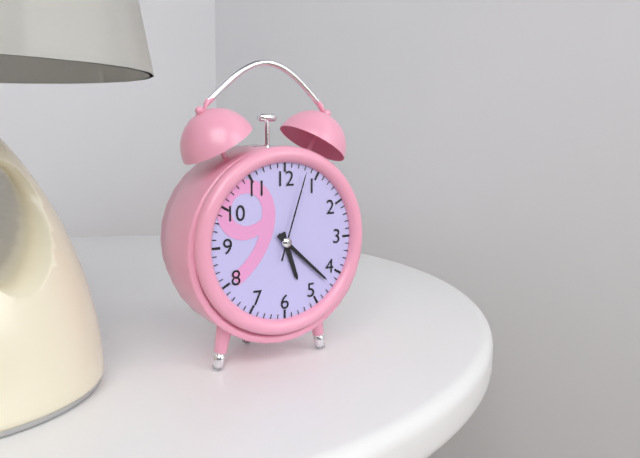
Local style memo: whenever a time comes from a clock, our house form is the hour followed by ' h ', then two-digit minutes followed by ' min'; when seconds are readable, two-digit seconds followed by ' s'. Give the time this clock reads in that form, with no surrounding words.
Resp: 5 h 22 min 03 s
